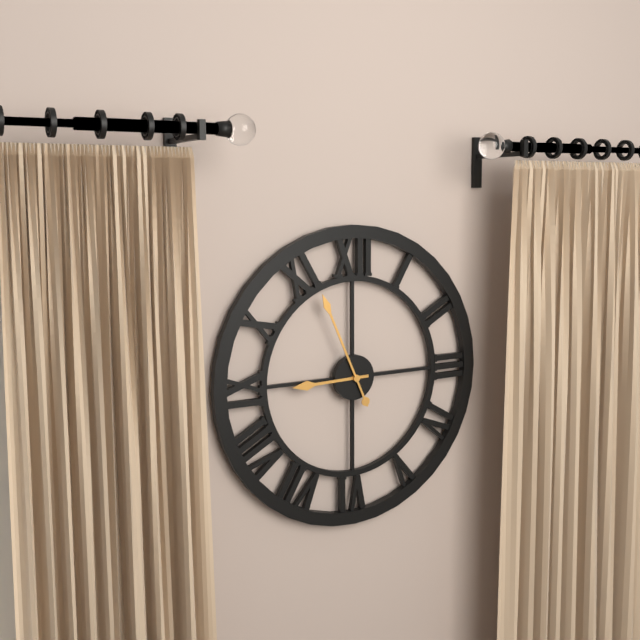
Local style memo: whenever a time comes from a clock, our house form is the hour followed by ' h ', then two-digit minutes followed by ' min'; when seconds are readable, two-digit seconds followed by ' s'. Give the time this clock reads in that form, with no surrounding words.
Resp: 8 h 56 min
